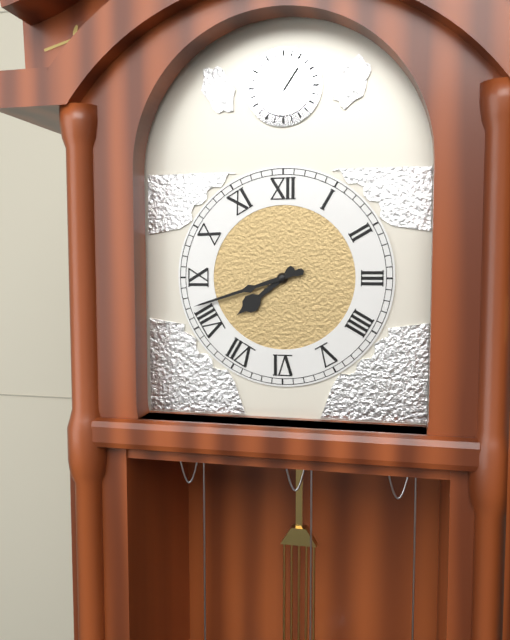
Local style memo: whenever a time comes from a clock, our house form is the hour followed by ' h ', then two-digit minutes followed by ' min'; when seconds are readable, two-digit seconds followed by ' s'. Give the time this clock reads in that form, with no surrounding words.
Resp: 7 h 42 min
